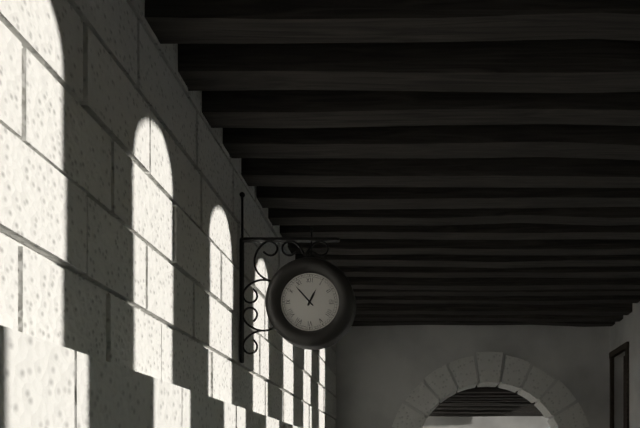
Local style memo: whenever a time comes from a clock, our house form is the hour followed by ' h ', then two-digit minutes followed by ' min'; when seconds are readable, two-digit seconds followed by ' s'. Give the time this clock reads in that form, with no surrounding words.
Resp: 12 h 53 min
